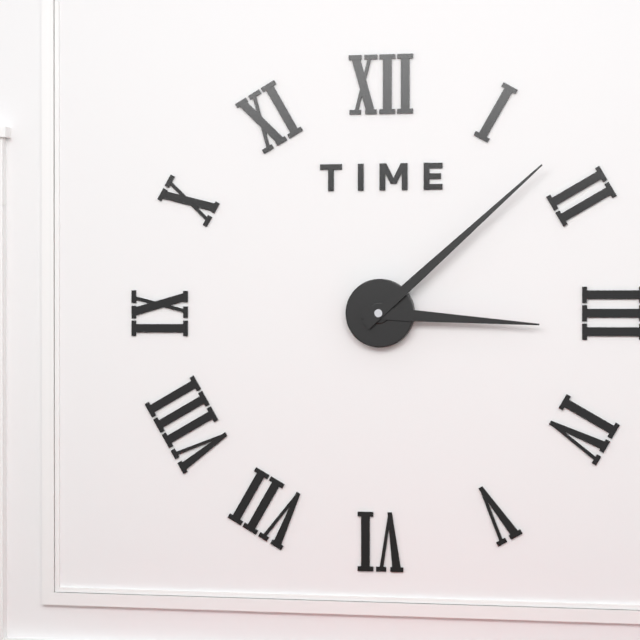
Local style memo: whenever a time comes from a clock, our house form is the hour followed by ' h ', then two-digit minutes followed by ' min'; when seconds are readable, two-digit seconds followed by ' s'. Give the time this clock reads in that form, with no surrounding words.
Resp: 3 h 08 min
